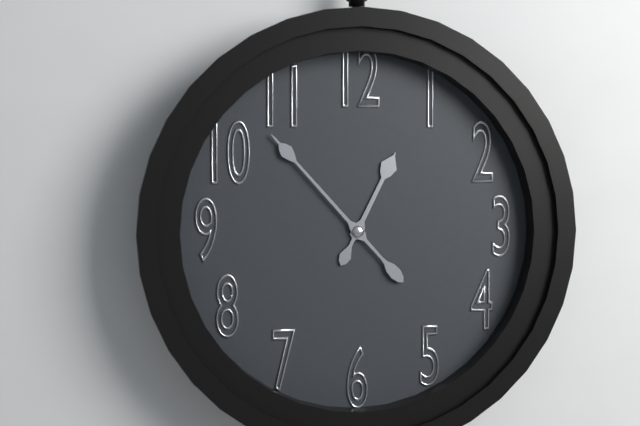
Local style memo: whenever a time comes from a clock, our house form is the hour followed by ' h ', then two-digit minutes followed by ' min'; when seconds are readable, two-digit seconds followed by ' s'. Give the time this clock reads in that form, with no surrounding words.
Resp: 12 h 53 min
